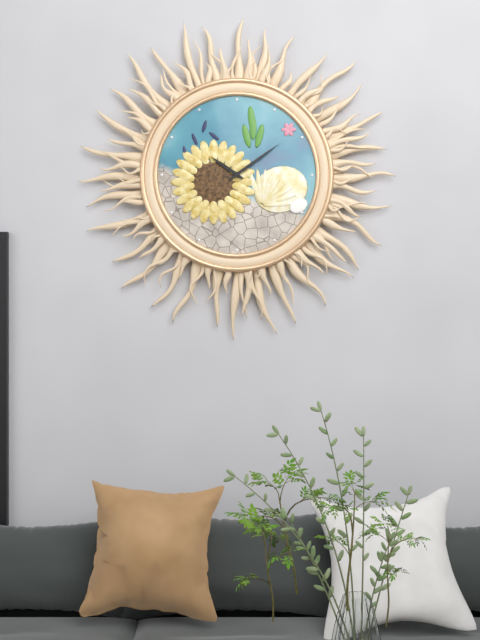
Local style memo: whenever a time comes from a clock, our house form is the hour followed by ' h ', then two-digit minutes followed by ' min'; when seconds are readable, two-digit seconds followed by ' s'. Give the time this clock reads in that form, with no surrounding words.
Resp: 10 h 09 min
